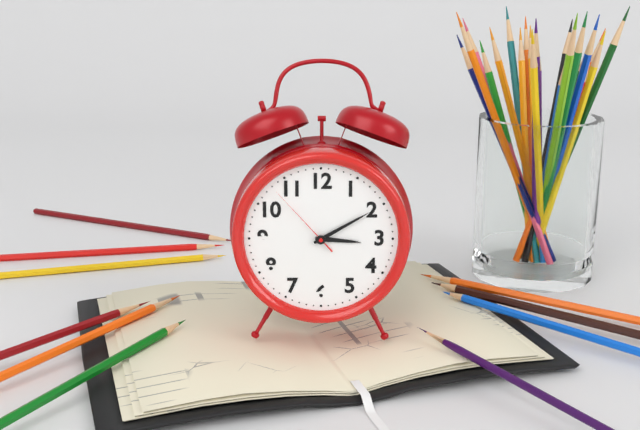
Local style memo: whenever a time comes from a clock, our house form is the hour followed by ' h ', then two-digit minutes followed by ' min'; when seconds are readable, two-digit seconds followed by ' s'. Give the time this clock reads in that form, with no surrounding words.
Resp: 3 h 10 min 53 s
